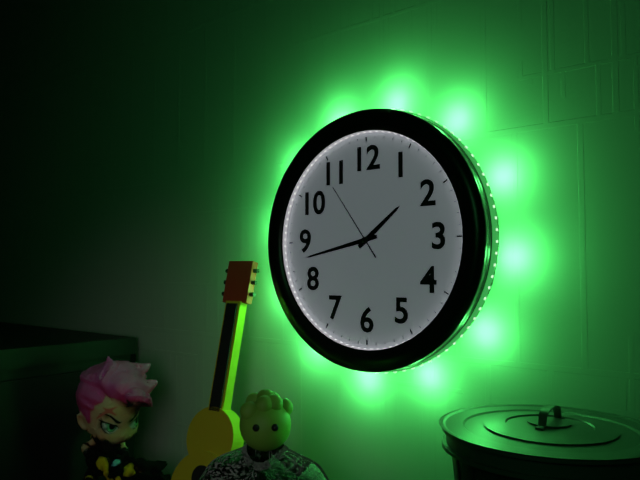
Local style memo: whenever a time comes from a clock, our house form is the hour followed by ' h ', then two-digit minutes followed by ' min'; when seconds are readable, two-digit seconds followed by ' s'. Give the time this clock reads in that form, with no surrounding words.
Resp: 1 h 43 min 54 s
